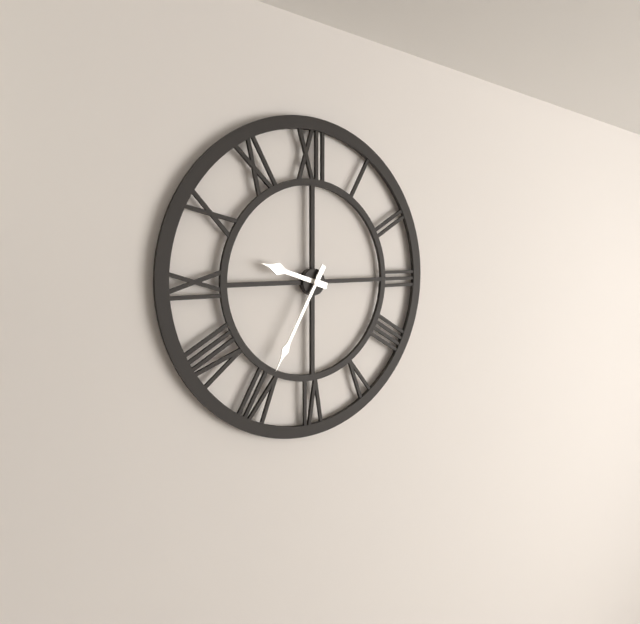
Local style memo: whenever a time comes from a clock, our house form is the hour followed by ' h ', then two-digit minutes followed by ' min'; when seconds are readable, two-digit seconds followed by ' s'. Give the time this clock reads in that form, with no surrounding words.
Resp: 9 h 35 min
